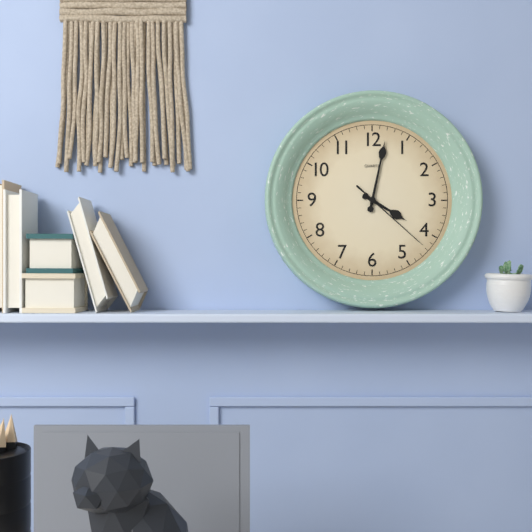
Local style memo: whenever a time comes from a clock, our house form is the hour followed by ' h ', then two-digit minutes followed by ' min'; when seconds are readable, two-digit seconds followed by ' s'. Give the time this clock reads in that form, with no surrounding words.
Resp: 4 h 02 min 22 s
